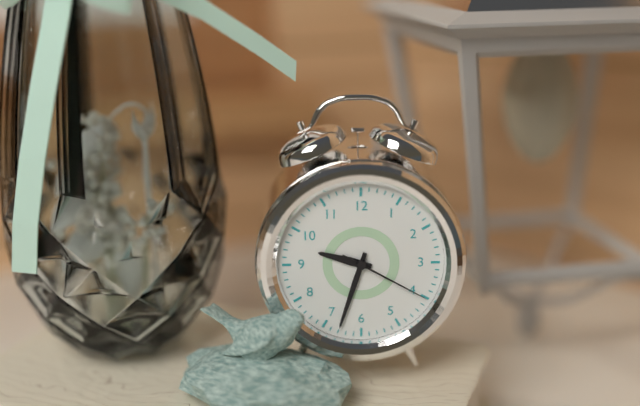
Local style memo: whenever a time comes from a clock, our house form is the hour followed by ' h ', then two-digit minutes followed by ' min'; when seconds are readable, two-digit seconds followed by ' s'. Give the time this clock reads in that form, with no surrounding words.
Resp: 9 h 33 min 20 s
